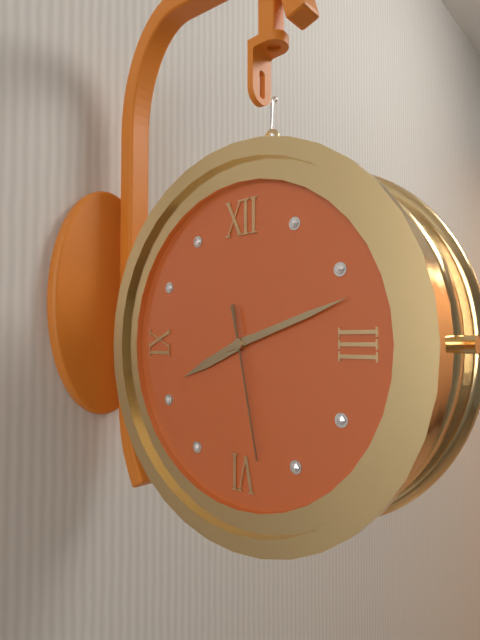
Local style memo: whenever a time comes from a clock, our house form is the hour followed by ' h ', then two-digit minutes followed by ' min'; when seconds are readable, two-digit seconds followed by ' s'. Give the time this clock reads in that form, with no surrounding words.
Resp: 8 h 12 min 28 s
